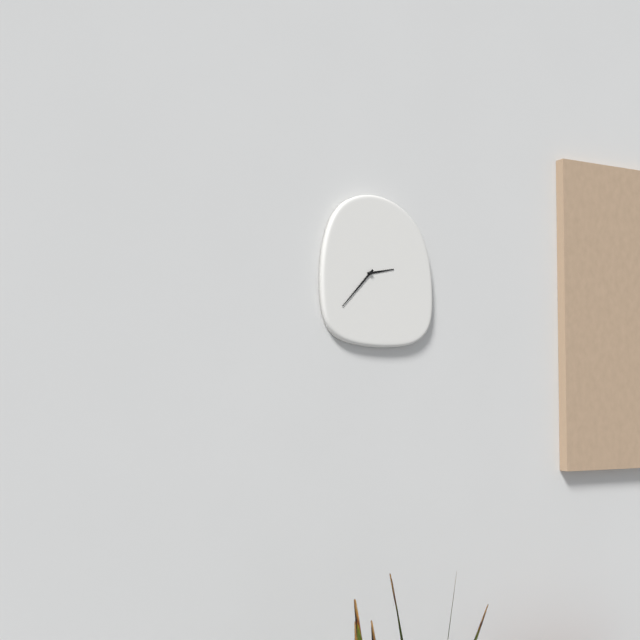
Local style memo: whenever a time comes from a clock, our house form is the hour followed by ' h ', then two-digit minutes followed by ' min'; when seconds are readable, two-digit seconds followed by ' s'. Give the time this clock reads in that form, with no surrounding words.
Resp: 2 h 37 min
